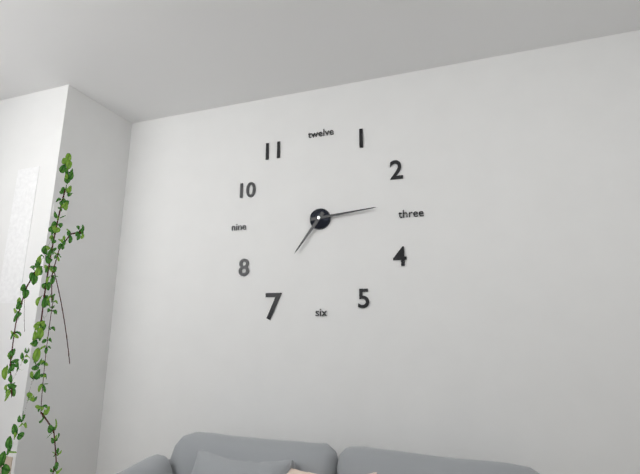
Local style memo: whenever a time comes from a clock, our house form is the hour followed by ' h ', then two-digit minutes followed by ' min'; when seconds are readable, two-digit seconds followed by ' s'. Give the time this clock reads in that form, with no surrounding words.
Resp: 7 h 14 min
